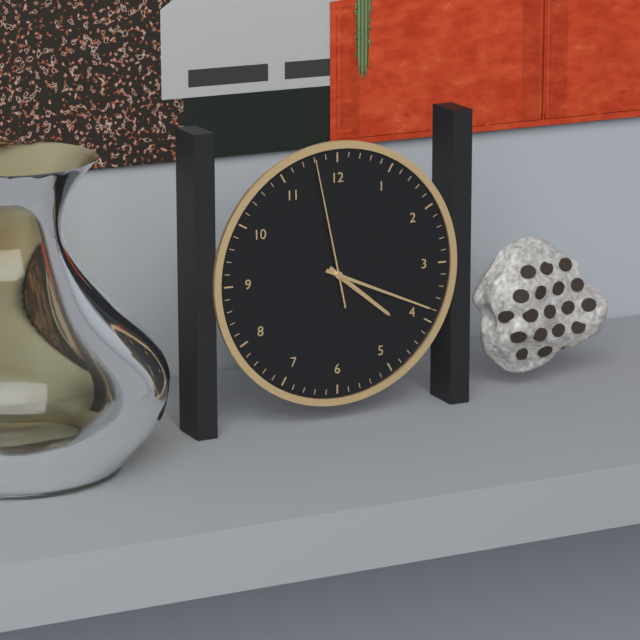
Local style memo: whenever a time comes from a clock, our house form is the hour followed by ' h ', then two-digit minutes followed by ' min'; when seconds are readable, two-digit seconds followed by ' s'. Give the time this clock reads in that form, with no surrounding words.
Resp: 4 h 19 min 58 s
